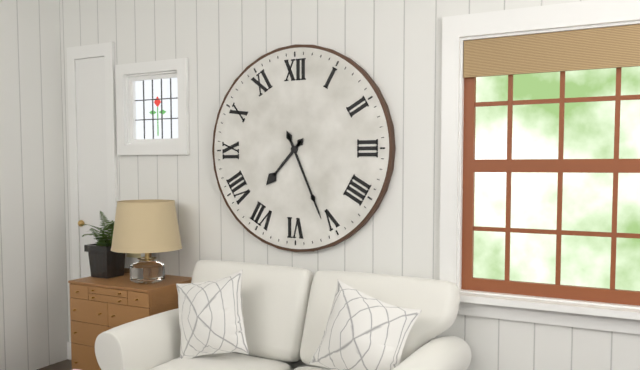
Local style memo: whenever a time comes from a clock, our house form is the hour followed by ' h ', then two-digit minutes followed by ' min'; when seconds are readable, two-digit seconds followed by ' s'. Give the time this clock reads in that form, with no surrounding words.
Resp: 7 h 26 min
